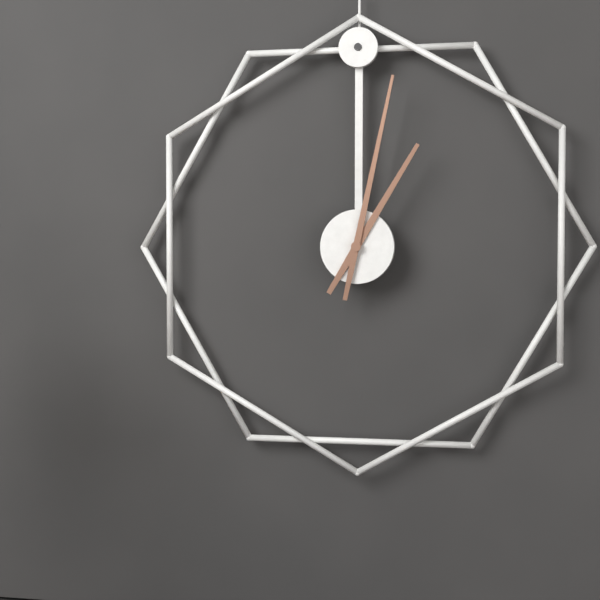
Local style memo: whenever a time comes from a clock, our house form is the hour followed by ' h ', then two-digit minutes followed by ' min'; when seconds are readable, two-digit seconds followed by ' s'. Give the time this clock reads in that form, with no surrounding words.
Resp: 1 h 02 min
